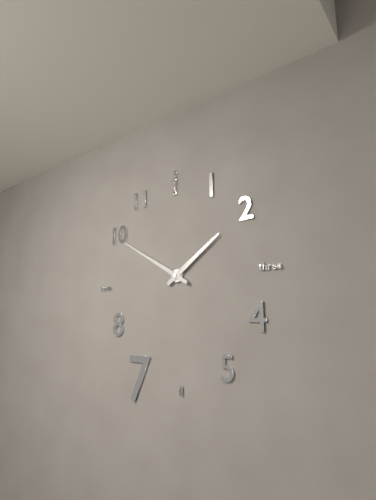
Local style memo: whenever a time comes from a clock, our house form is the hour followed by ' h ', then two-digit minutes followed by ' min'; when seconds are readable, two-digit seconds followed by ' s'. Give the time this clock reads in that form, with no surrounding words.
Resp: 1 h 50 min
